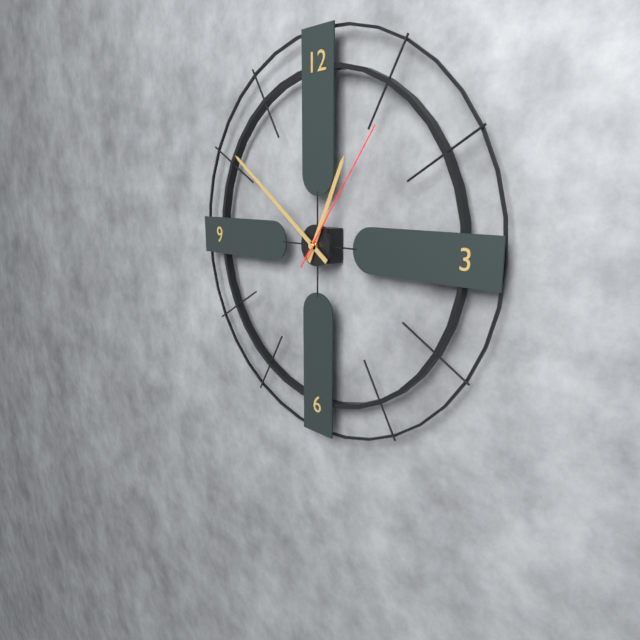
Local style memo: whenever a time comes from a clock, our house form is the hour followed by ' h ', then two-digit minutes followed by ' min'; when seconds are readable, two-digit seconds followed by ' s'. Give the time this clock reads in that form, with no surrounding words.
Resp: 12 h 51 min 06 s
